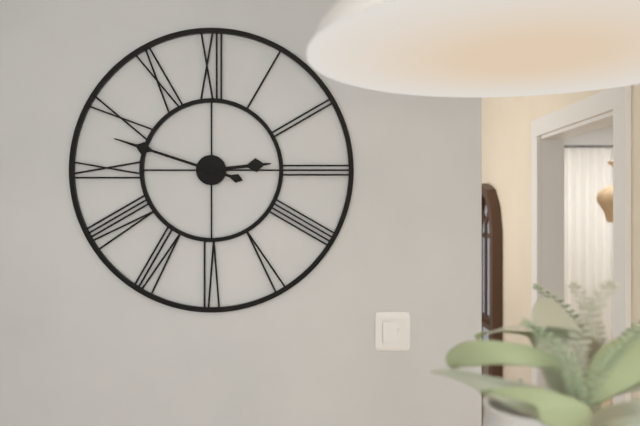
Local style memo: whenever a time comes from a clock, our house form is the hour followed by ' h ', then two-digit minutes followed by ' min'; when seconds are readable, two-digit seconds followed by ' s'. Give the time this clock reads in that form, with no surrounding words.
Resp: 2 h 48 min
